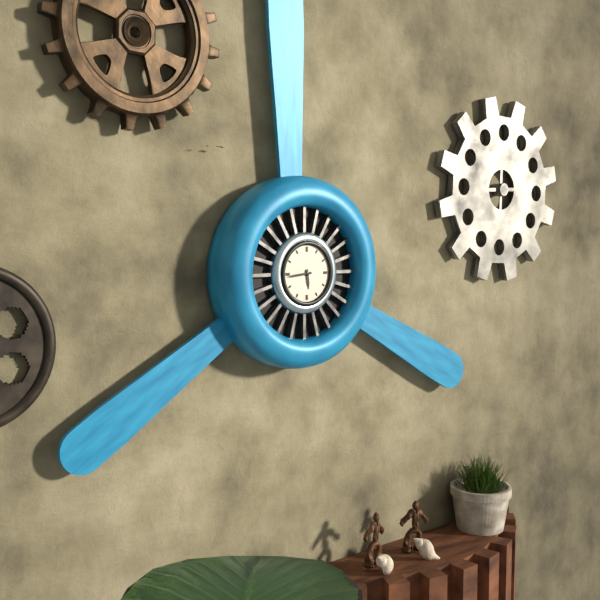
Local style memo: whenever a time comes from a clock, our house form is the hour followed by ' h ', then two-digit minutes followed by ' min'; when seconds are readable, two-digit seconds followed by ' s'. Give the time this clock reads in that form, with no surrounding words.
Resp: 5 h 44 min
